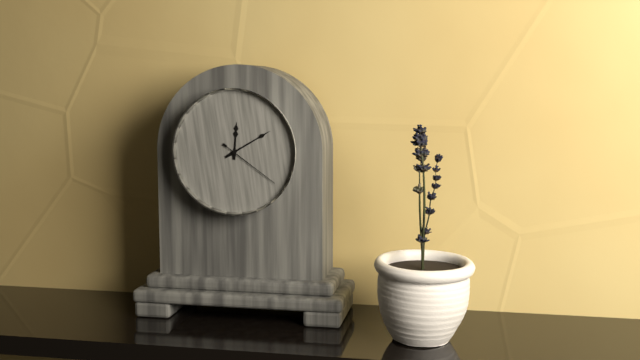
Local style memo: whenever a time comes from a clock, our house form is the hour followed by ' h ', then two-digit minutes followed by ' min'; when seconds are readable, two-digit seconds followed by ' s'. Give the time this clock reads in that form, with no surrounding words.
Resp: 12 h 10 min 21 s
